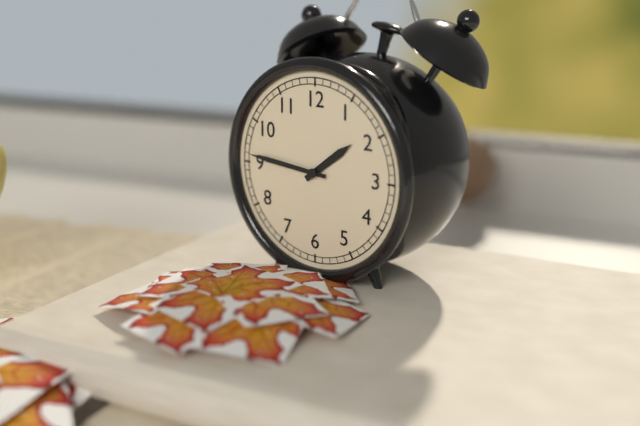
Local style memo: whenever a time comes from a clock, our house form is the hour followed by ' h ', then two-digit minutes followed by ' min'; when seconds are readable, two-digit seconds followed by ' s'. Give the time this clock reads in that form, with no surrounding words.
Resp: 1 h 46 min
